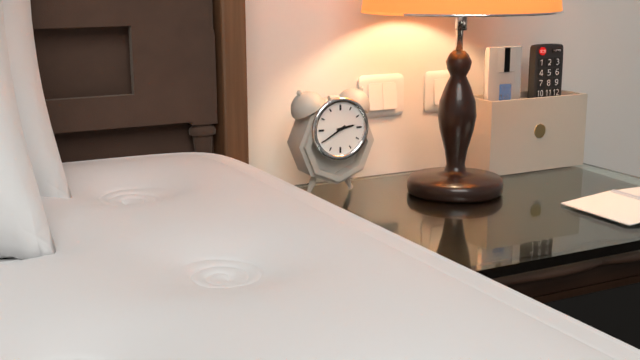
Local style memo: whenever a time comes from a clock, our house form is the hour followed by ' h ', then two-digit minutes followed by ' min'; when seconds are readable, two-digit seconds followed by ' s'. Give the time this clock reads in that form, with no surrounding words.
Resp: 2 h 40 min
